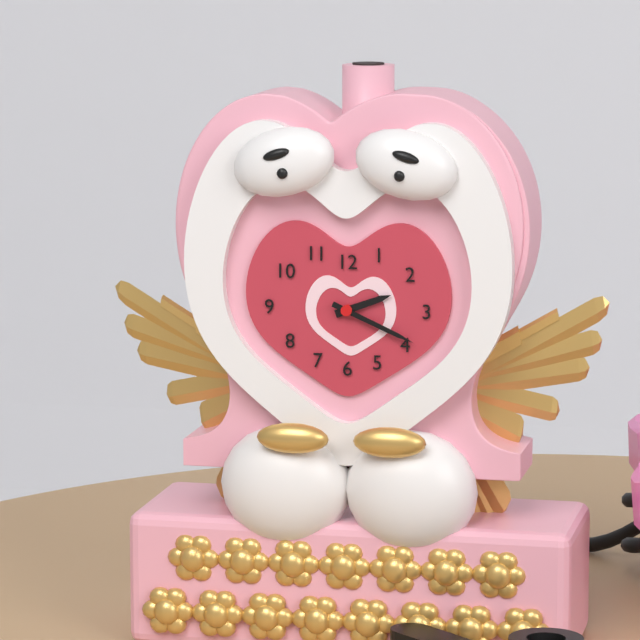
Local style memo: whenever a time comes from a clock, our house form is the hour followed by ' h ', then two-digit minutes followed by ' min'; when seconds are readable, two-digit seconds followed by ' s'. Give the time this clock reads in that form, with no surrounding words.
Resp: 2 h 19 min
